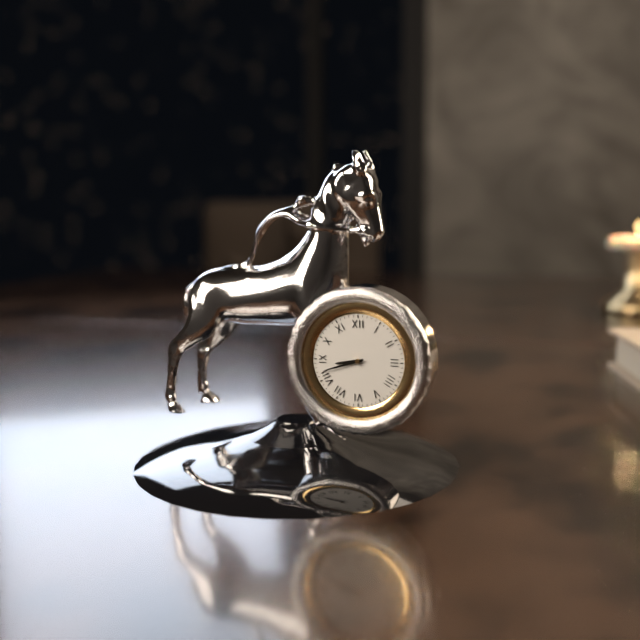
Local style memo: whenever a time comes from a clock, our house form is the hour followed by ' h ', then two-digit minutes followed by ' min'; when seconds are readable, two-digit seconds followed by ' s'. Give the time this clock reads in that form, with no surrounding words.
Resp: 8 h 42 min
